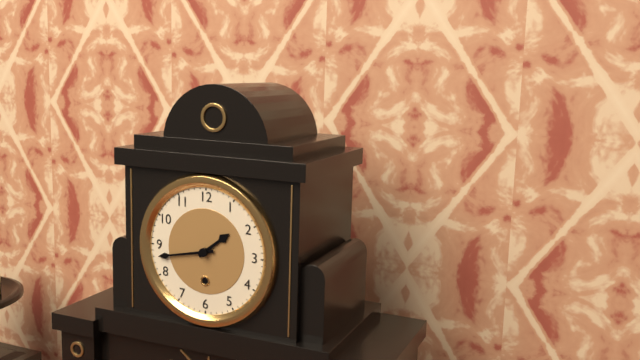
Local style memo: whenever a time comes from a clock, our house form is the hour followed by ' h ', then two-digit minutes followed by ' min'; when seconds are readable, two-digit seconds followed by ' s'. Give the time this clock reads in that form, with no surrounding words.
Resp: 1 h 43 min
